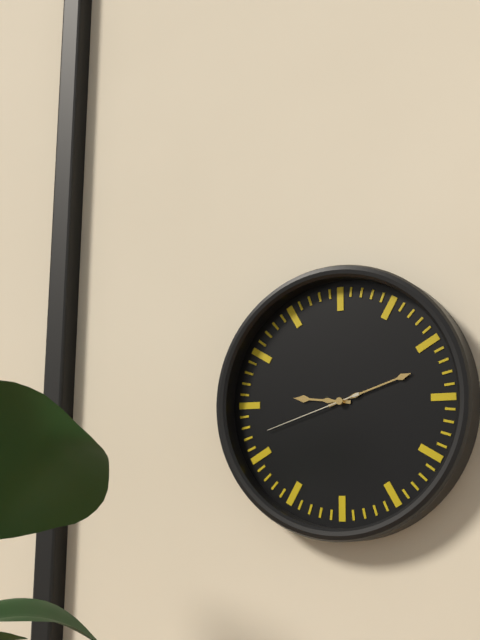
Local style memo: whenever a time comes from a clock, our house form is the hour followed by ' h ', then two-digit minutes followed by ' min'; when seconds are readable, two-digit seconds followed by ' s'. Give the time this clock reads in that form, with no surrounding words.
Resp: 9 h 12 min 42 s
